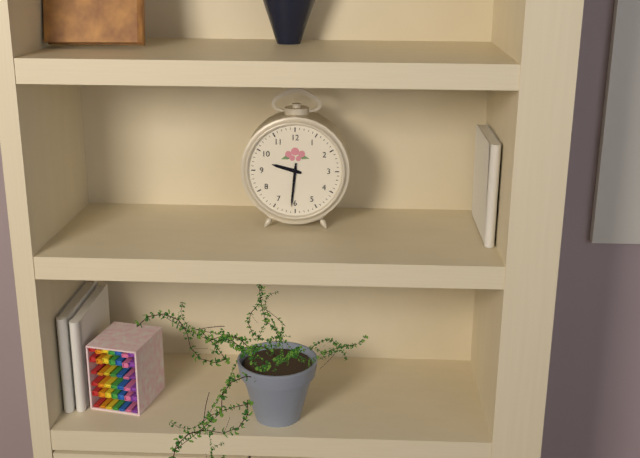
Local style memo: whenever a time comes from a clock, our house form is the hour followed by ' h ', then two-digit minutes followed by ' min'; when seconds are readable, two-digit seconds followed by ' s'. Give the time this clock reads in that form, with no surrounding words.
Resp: 9 h 31 min
